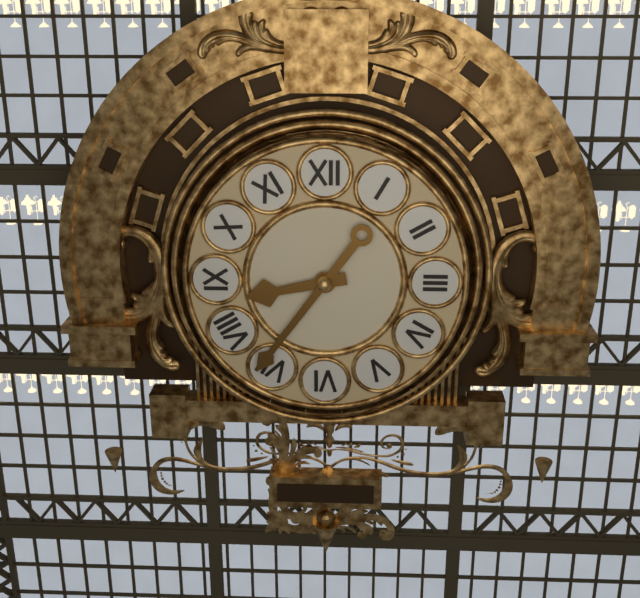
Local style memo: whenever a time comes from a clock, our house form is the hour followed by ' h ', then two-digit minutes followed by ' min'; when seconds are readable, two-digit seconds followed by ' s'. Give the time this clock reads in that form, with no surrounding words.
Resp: 8 h 36 min
